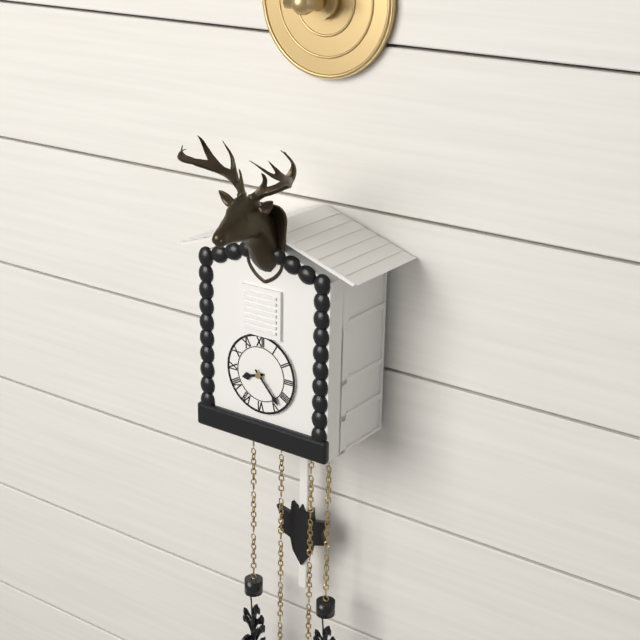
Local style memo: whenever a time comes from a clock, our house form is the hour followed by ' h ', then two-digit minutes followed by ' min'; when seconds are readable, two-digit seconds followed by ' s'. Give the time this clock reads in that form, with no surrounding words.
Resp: 8 h 23 min
